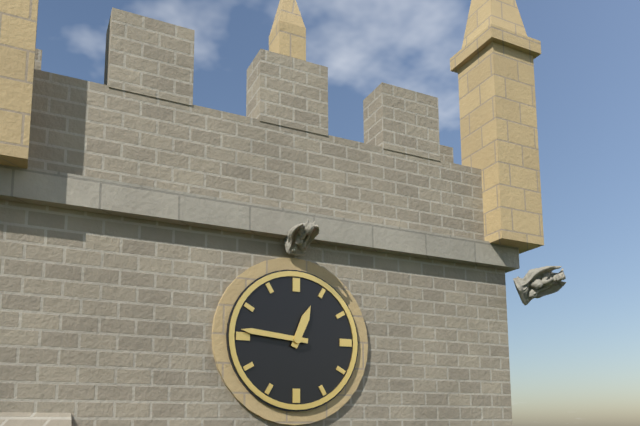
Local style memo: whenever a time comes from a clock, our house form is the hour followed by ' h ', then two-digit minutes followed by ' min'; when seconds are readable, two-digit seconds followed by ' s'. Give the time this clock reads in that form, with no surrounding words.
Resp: 12 h 46 min
